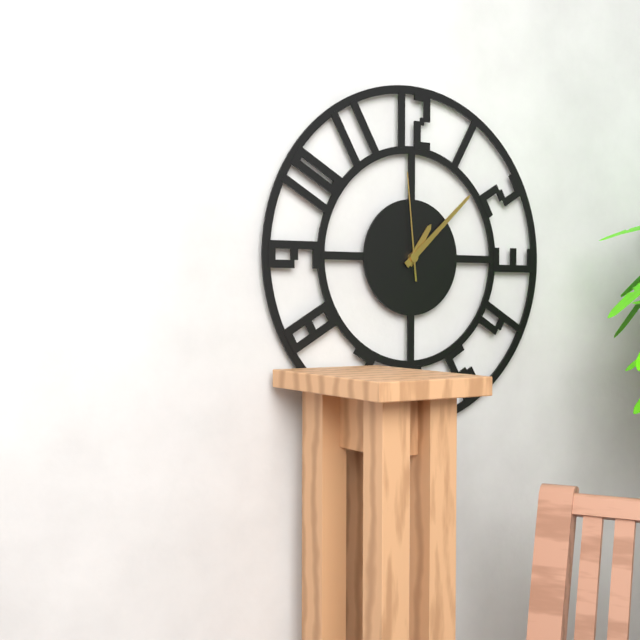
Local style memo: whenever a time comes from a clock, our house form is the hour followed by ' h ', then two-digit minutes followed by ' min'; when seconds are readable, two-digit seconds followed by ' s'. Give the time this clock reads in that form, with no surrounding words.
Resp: 1 h 08 min 59 s
